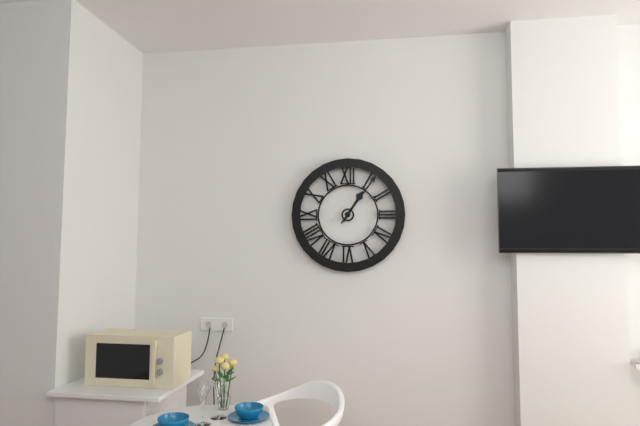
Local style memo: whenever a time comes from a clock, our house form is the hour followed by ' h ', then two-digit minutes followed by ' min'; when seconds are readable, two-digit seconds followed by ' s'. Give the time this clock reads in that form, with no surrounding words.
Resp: 1 h 06 min
